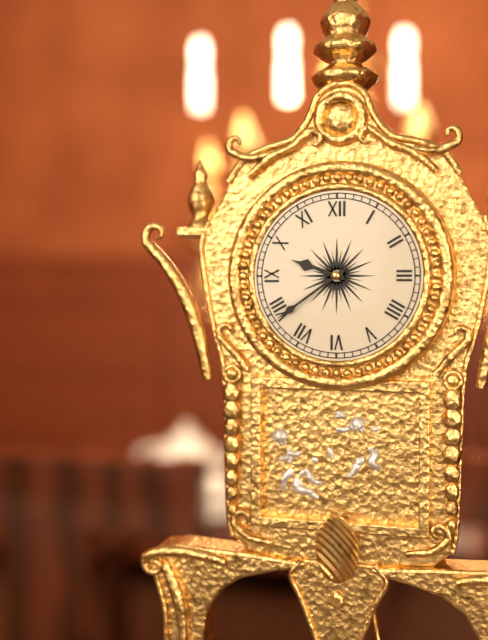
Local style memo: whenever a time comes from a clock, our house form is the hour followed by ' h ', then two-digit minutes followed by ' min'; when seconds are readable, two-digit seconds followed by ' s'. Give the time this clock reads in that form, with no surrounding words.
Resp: 9 h 39 min
